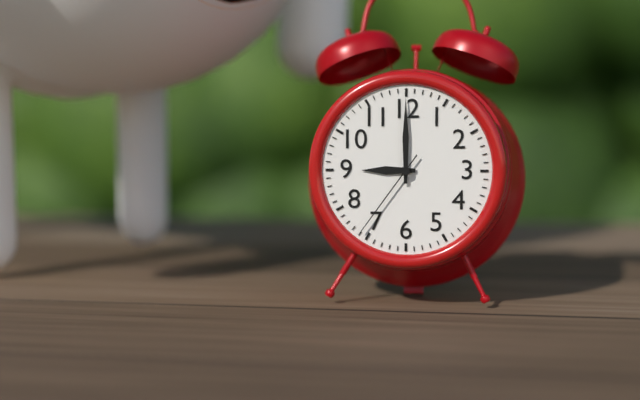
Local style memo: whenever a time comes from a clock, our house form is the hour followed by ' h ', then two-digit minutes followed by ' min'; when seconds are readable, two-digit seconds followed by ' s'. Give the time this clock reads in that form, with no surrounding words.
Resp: 9 h 00 min 36 s
